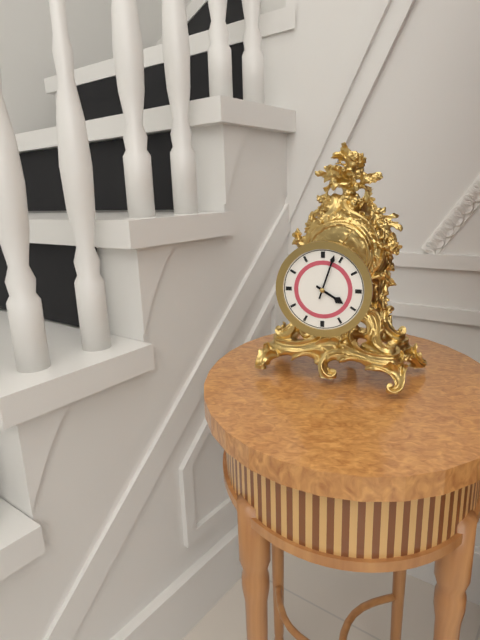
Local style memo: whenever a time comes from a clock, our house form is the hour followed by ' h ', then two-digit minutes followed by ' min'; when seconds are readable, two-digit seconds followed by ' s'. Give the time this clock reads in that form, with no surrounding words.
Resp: 4 h 03 min
